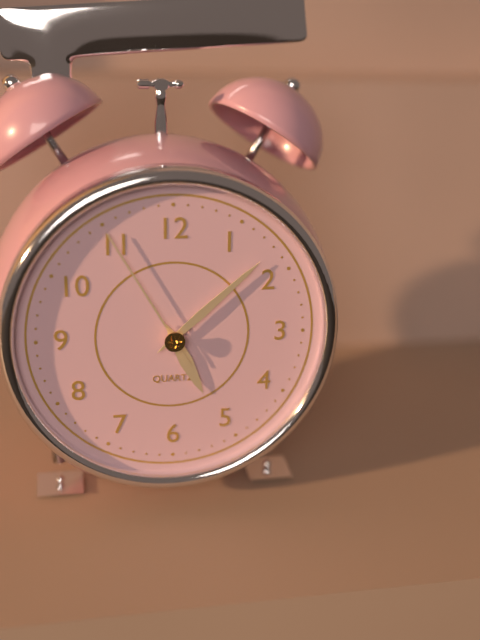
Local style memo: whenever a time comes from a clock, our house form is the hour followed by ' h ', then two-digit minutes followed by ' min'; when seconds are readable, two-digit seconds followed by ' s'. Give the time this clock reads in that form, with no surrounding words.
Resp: 5 h 08 min 55 s
